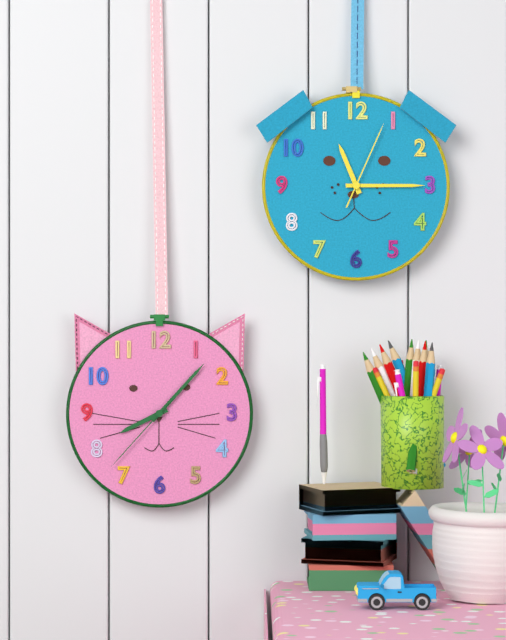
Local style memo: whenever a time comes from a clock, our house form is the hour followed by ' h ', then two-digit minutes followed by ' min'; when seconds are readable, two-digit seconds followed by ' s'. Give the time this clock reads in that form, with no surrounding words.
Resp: 8 h 07 min 37 s
